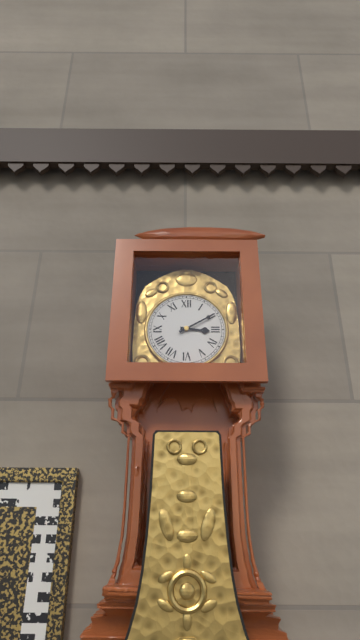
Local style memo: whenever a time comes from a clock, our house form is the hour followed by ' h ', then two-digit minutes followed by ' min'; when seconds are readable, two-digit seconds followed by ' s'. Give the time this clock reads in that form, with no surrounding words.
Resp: 3 h 10 min
